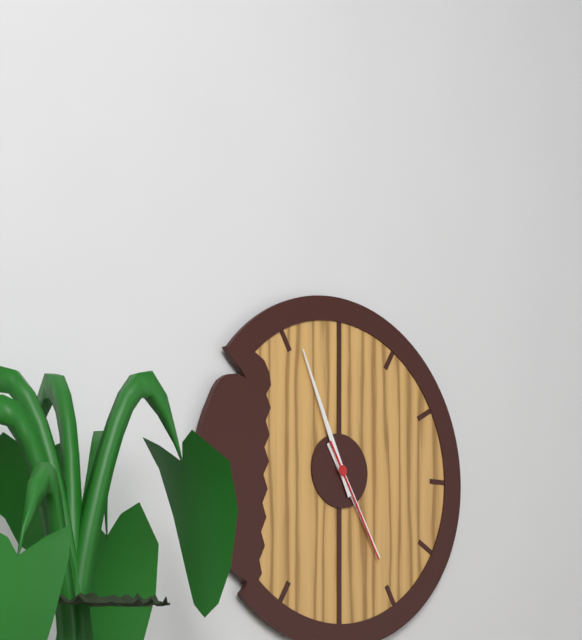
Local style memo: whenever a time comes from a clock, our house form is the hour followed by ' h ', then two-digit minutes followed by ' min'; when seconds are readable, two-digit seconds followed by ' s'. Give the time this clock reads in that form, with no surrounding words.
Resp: 4 h 56 min 25 s
